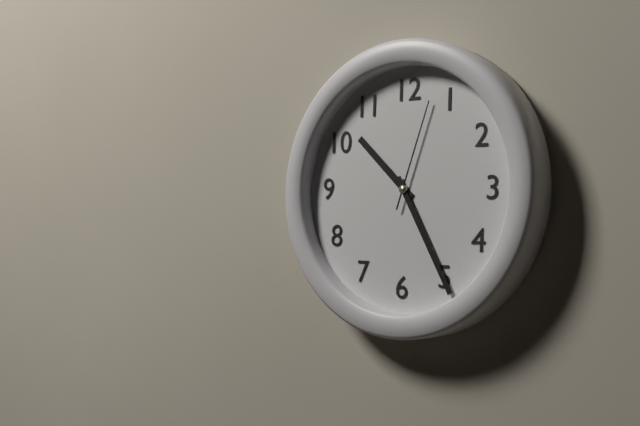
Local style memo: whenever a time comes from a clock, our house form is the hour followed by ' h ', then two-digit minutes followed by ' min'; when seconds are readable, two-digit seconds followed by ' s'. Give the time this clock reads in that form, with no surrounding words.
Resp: 10 h 25 min 03 s
